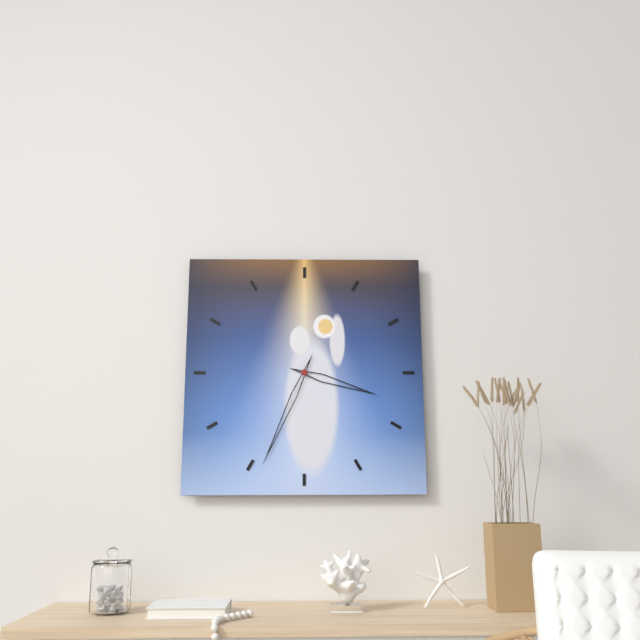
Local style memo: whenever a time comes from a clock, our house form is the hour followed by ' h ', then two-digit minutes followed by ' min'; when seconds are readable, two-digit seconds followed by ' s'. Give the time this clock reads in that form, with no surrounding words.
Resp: 3 h 34 min
